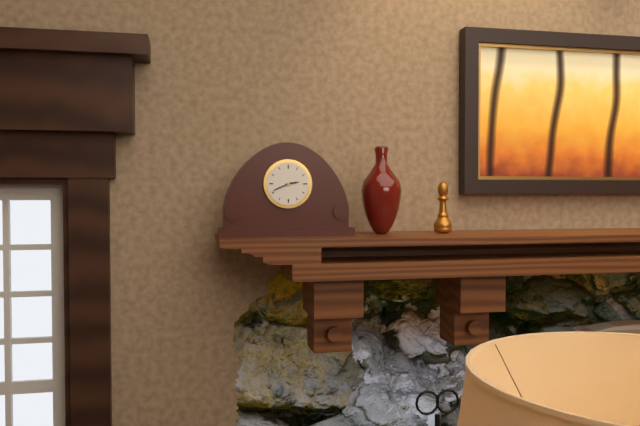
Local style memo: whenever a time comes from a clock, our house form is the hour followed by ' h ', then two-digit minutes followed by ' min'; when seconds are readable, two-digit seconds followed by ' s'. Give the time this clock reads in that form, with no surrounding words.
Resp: 2 h 41 min
